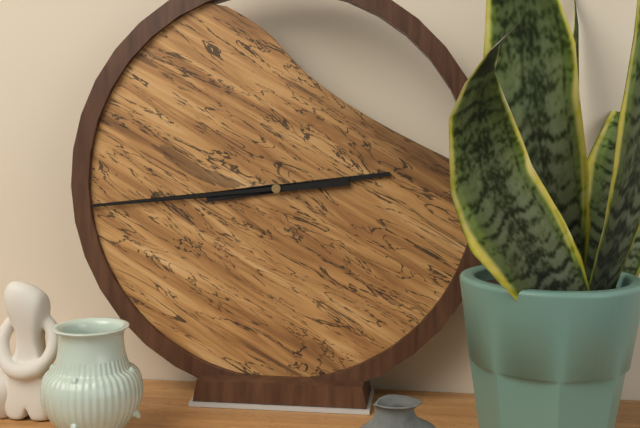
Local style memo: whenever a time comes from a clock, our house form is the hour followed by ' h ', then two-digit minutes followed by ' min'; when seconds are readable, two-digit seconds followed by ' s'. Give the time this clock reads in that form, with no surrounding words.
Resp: 2 h 44 min
